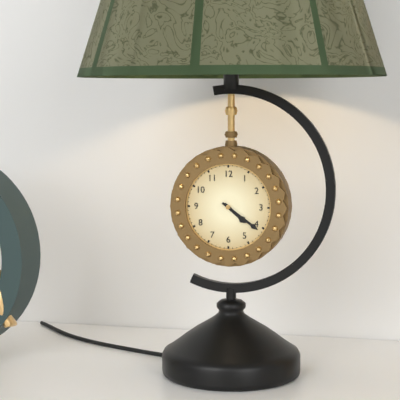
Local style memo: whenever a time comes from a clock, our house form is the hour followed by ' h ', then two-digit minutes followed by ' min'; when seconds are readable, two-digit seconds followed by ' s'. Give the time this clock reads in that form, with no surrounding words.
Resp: 4 h 21 min
